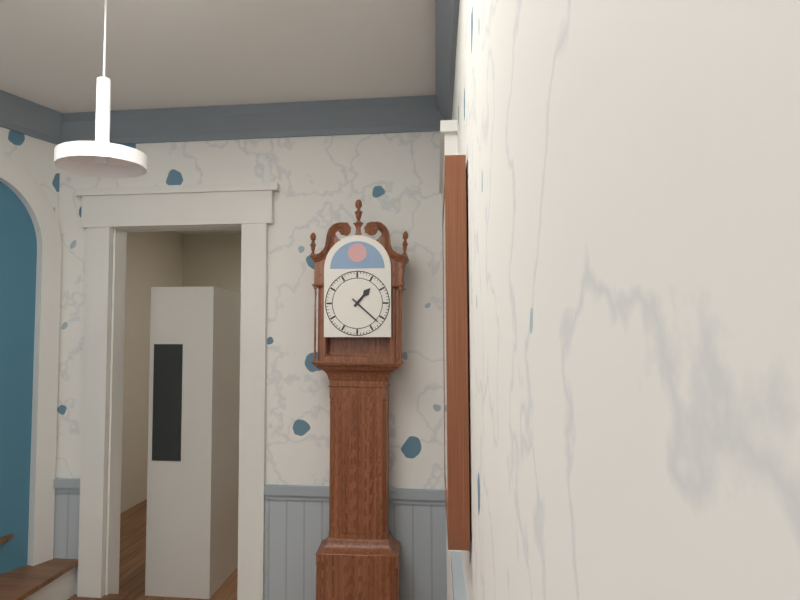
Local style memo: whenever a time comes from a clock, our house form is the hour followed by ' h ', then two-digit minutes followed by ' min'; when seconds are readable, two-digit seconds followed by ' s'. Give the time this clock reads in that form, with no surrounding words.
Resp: 1 h 22 min
